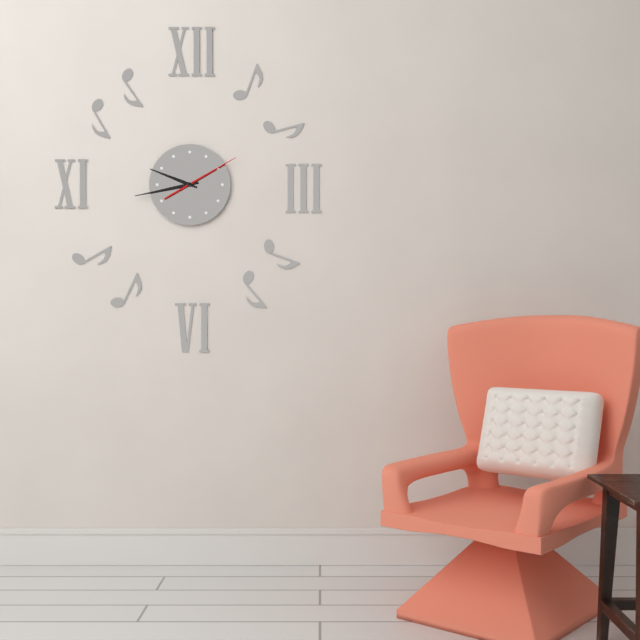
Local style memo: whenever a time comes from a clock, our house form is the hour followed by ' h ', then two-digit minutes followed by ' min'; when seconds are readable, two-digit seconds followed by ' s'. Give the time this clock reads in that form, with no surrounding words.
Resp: 9 h 43 min 10 s
